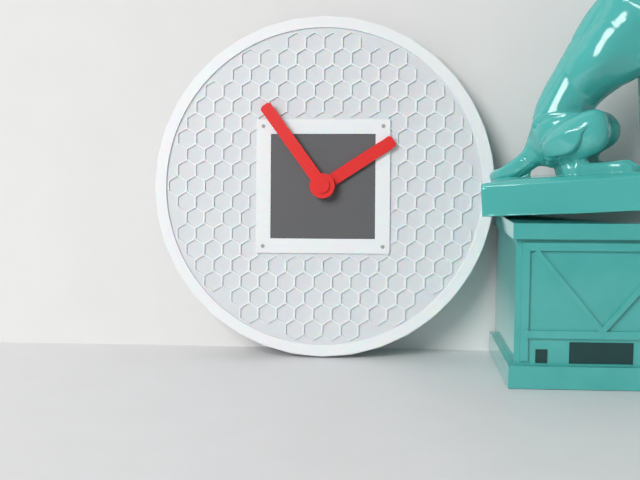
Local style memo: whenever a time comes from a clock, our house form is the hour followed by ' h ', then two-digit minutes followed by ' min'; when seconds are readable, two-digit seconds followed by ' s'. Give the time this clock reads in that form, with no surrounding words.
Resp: 1 h 54 min
